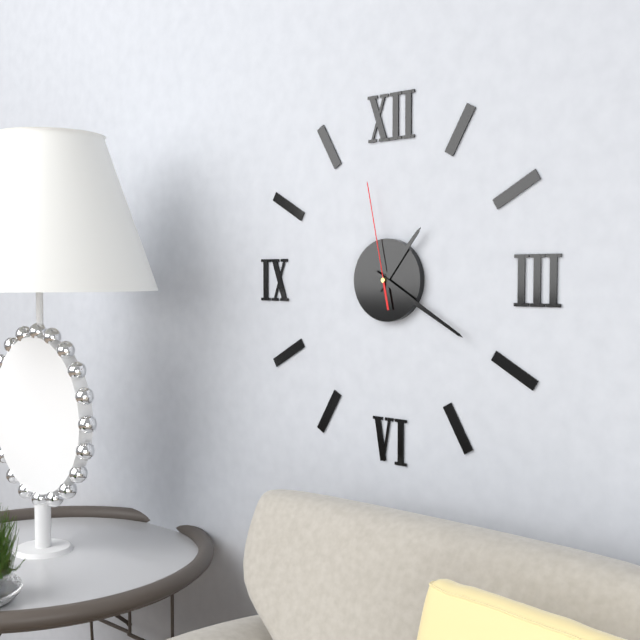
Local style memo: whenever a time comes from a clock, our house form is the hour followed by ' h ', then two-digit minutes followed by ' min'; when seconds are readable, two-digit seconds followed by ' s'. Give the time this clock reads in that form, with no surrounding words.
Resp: 1 h 20 min 58 s
